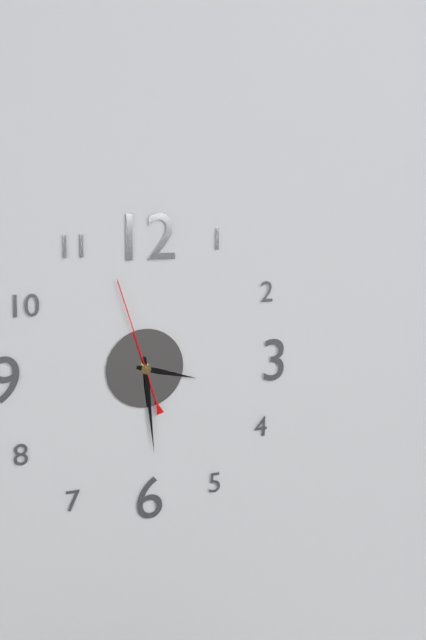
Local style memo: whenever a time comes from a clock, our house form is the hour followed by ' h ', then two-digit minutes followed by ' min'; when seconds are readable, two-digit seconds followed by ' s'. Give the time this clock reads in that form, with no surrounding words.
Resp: 3 h 29 min 57 s
